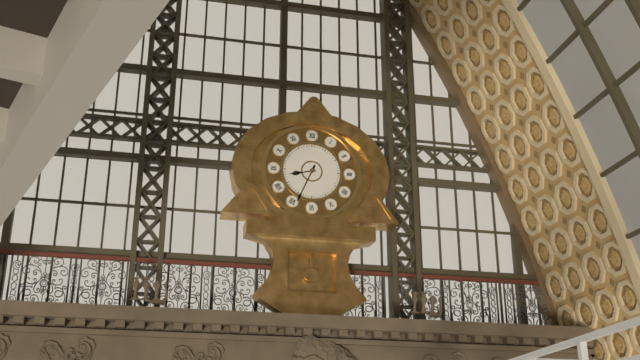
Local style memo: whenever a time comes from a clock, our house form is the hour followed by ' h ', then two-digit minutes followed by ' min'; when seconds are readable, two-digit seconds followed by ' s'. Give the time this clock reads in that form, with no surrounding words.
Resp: 8 h 34 min
